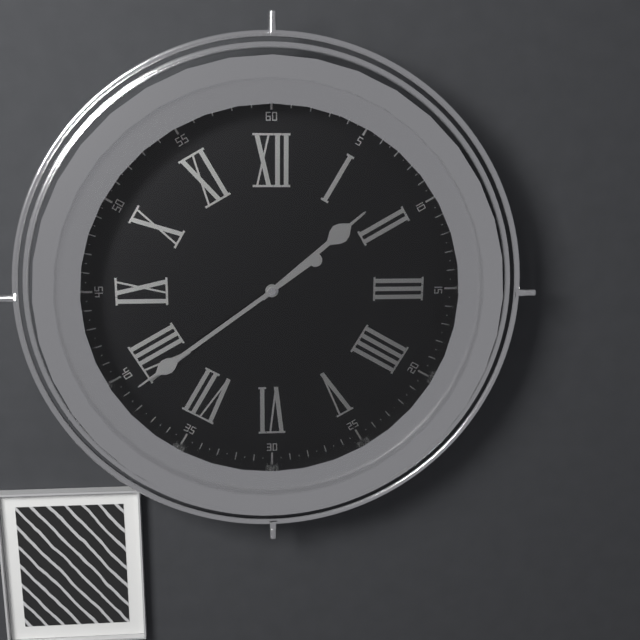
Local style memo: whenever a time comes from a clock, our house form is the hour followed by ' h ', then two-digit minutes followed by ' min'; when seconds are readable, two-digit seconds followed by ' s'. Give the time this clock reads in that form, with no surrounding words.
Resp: 1 h 39 min
